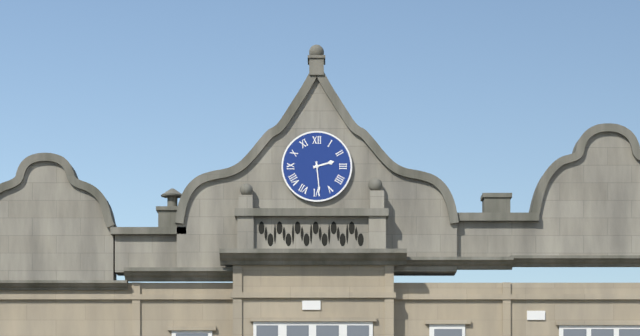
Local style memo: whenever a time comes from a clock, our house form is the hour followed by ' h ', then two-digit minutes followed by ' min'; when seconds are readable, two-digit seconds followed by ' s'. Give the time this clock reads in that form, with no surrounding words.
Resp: 2 h 29 min
